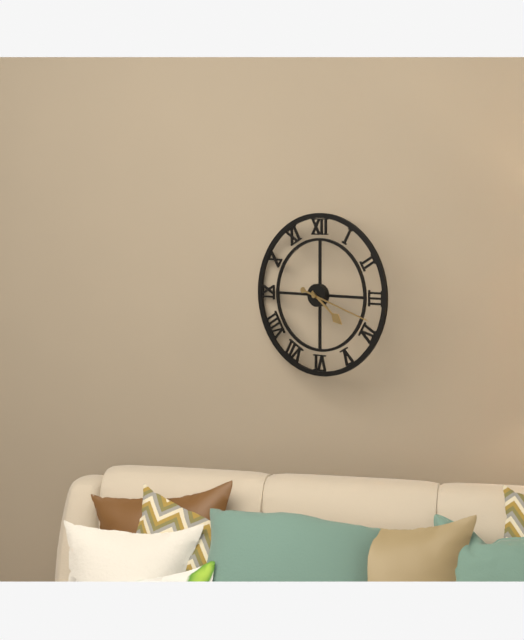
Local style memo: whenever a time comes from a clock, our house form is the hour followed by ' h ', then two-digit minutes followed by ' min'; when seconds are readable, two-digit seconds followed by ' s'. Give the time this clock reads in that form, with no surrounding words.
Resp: 4 h 18 min
